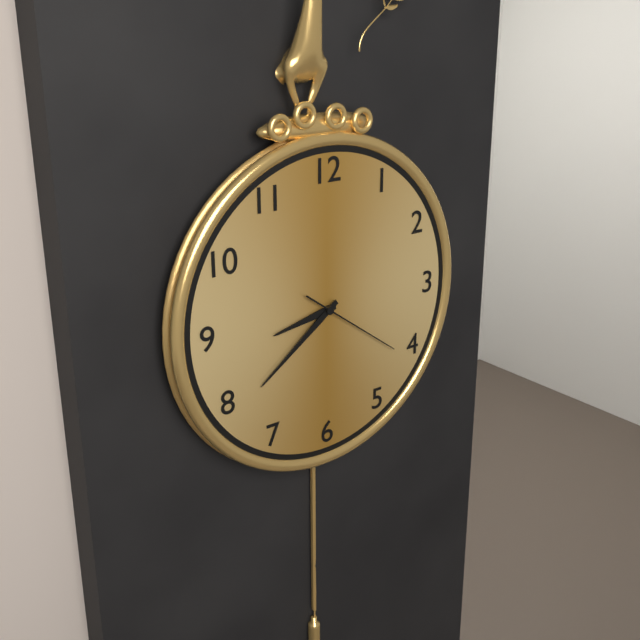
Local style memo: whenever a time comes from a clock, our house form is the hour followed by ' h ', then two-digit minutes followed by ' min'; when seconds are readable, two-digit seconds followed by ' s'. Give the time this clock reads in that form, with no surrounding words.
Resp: 8 h 39 min 21 s
